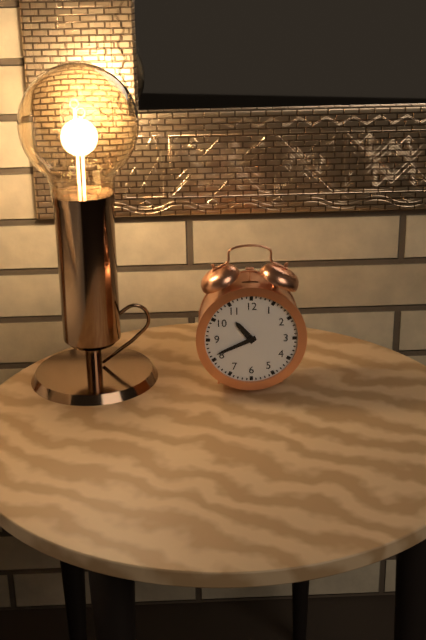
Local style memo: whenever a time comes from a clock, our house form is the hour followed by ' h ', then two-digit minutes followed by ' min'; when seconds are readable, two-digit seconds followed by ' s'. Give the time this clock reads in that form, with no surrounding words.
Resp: 10 h 41 min
